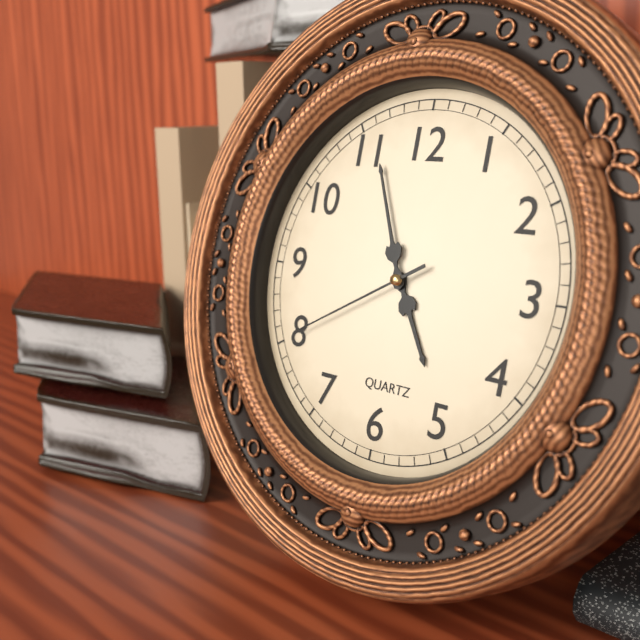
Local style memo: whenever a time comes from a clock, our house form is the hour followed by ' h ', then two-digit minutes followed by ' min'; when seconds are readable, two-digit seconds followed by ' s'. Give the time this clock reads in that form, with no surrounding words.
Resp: 4 h 56 min 40 s
